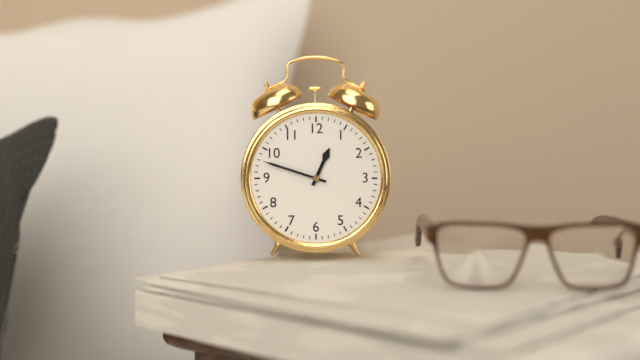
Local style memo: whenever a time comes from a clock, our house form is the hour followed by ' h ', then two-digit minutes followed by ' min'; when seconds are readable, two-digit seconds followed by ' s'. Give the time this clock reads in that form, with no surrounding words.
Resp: 12 h 48 min
